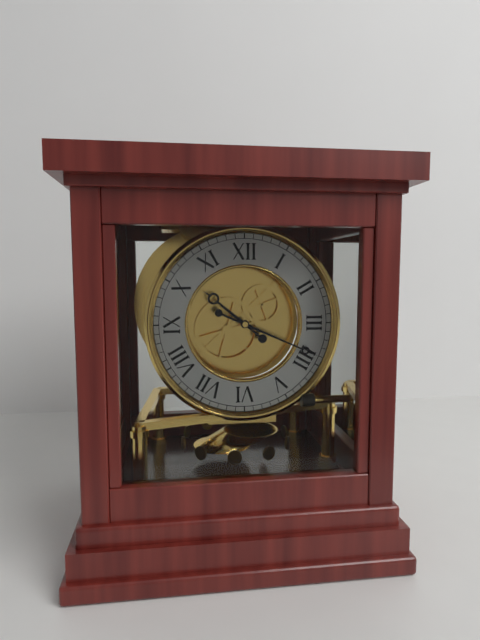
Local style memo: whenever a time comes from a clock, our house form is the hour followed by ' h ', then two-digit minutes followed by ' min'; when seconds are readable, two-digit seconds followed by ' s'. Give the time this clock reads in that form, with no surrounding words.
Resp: 10 h 19 min
